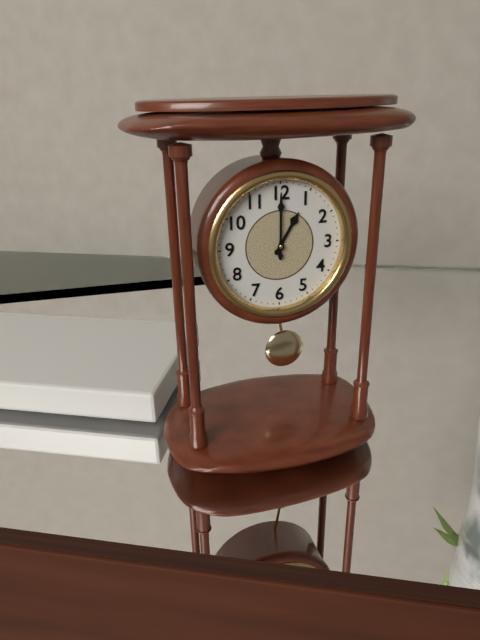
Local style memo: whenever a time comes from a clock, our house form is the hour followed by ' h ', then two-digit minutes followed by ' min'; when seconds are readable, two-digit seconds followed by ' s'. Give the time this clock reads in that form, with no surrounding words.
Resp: 1 h 00 min
